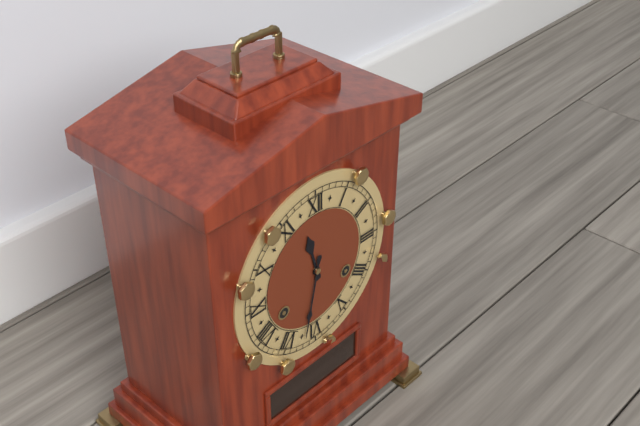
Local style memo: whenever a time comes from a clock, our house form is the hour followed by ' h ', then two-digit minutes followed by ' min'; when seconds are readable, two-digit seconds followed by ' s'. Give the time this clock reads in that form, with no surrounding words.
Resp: 11 h 32 min
